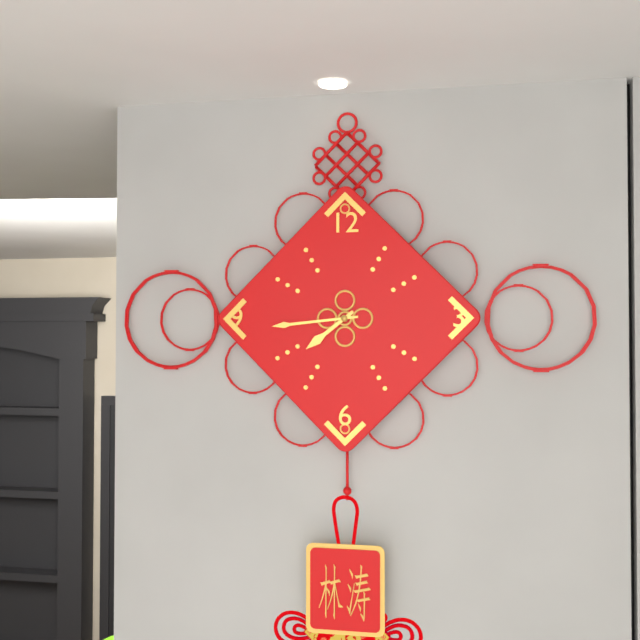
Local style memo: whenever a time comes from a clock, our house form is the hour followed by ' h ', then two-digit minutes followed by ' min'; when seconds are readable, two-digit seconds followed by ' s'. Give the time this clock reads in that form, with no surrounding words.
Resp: 7 h 44 min
